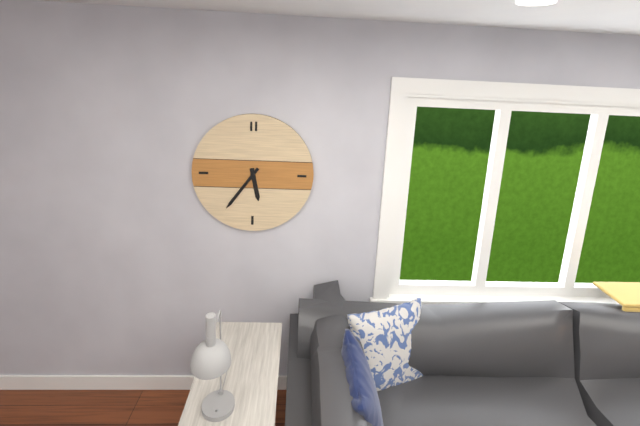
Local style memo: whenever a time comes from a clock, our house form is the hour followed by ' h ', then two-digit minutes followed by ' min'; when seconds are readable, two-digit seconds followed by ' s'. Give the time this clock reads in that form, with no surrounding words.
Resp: 5 h 36 min
